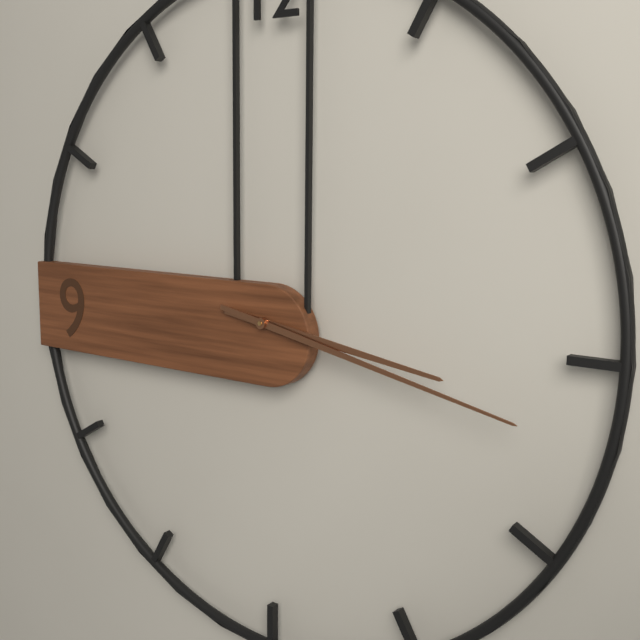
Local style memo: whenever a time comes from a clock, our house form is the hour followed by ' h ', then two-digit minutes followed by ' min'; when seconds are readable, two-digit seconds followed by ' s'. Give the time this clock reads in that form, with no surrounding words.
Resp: 3 h 17 min
